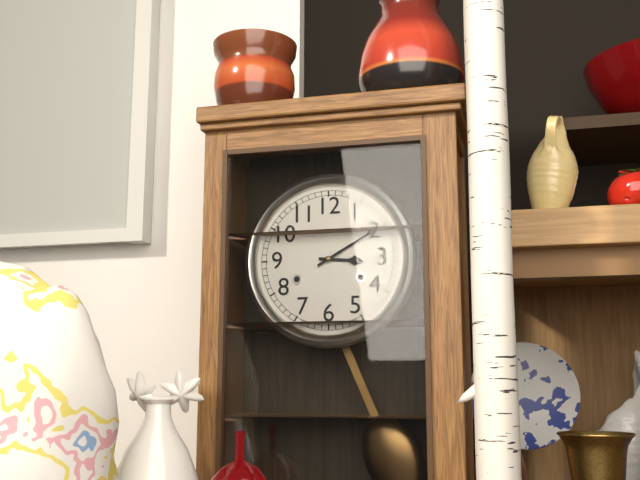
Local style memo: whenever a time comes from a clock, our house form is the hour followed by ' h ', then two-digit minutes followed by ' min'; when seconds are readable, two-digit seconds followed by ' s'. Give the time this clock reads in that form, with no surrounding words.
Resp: 3 h 10 min
